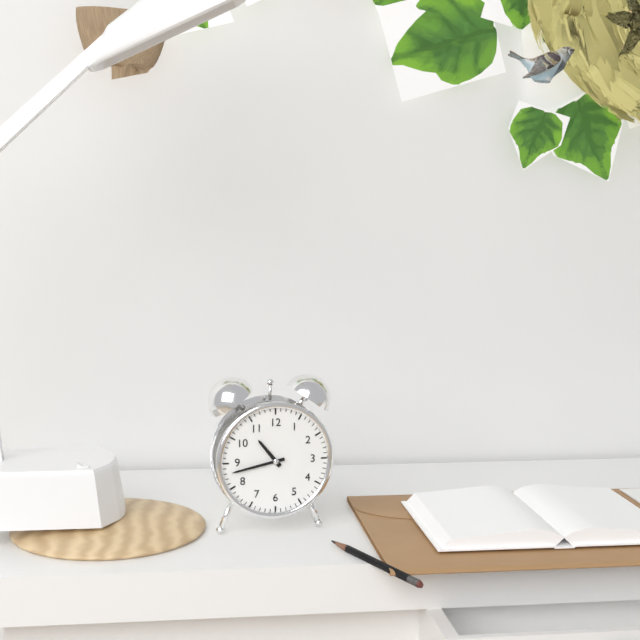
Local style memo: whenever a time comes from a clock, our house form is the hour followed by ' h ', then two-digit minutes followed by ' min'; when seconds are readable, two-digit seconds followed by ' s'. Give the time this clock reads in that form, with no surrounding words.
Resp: 10 h 43 min
